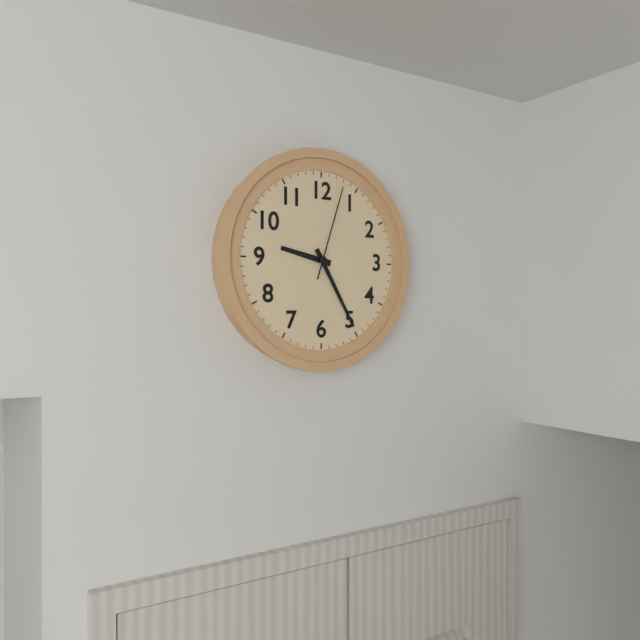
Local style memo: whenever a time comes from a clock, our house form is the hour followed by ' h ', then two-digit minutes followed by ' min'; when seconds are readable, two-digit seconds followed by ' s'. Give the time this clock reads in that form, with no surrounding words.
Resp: 9 h 25 min 03 s
